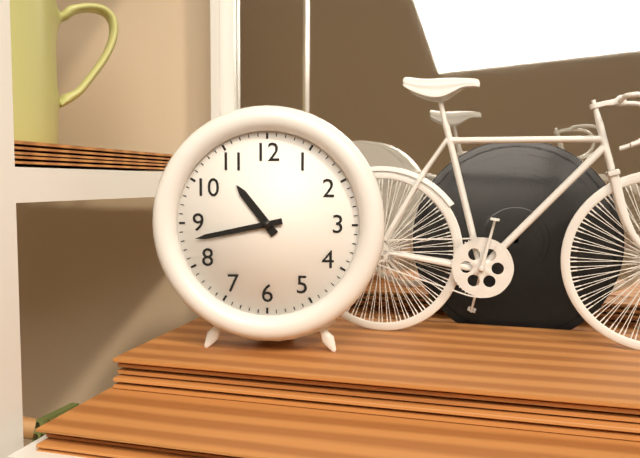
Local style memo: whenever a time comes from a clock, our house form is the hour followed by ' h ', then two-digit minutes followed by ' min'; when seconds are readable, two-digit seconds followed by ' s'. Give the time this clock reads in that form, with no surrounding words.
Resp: 10 h 43 min
